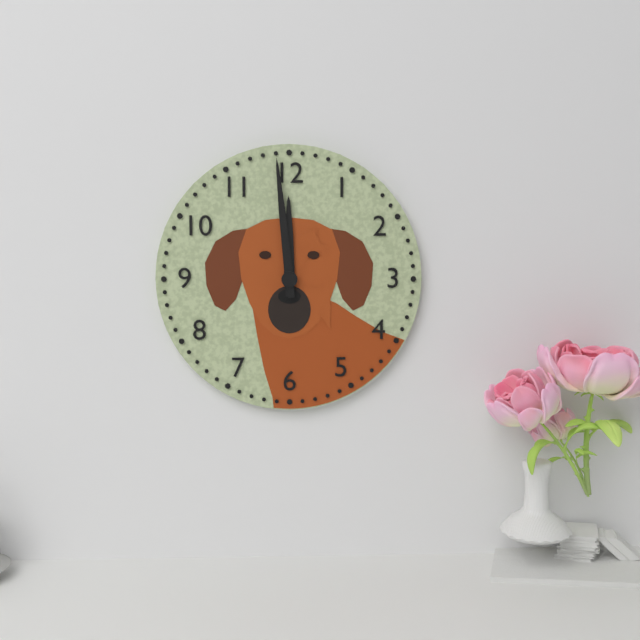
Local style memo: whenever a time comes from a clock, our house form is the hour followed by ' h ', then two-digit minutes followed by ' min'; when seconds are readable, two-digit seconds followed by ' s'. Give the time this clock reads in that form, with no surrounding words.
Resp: 11 h 59 min
